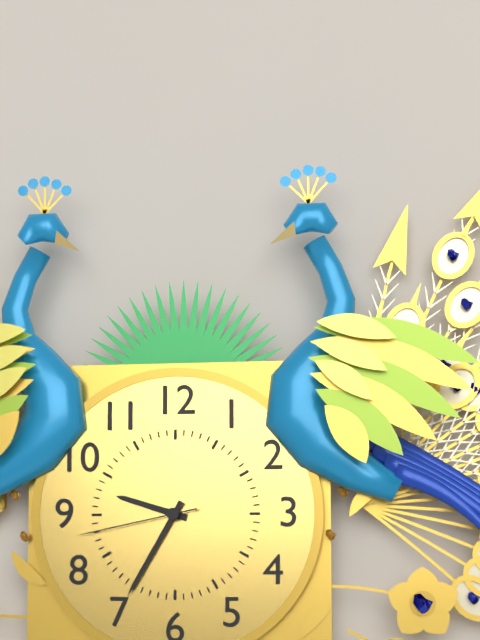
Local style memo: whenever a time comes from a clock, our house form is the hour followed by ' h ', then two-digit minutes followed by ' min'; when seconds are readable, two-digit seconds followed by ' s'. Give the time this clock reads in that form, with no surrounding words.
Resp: 9 h 35 min 43 s
